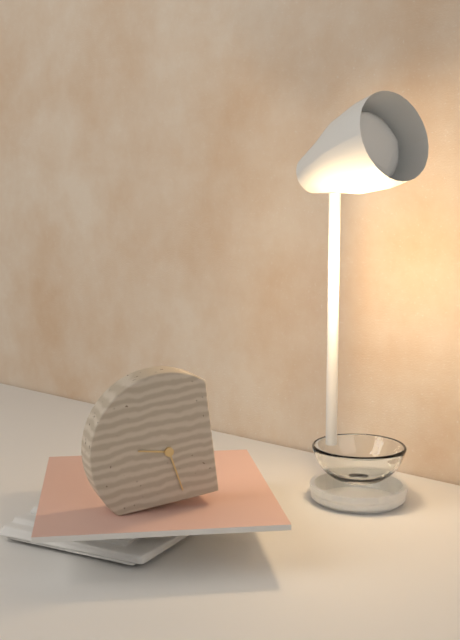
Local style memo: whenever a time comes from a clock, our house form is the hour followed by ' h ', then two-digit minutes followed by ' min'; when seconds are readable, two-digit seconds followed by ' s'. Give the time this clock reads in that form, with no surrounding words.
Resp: 9 h 28 min
